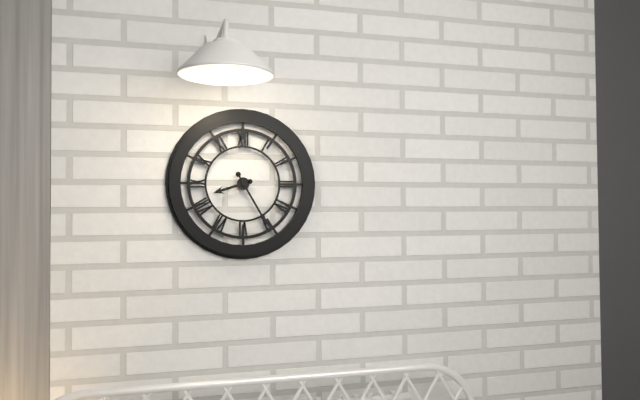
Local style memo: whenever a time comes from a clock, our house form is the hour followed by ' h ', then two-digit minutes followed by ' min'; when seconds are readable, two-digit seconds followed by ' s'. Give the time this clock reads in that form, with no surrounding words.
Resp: 8 h 25 min
